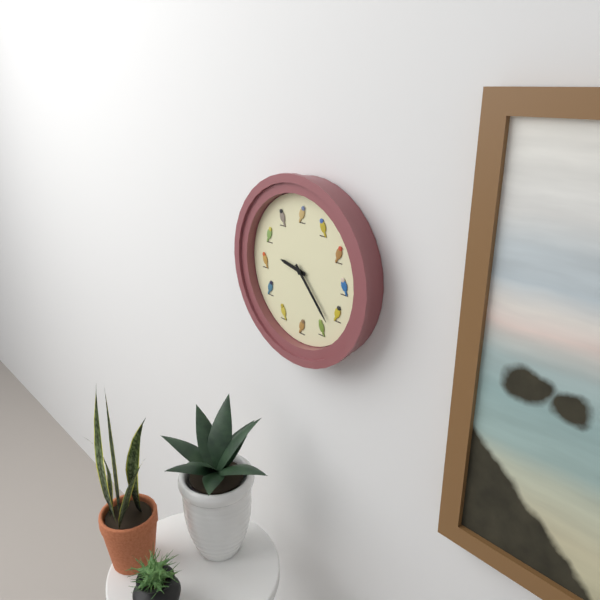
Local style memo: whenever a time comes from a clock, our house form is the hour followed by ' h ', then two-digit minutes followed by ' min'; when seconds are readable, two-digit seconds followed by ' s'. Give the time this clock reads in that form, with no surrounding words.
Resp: 9 h 23 min
